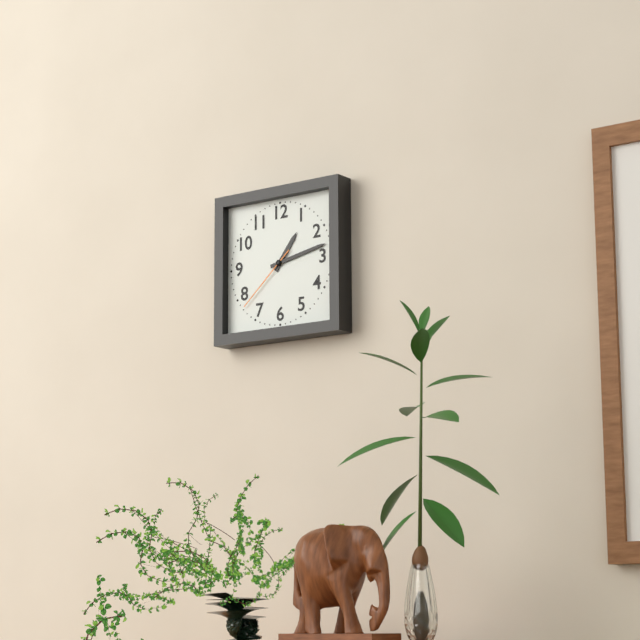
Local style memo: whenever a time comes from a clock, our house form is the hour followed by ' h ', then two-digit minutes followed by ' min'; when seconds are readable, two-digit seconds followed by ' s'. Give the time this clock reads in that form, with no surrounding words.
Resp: 1 h 13 min 38 s
